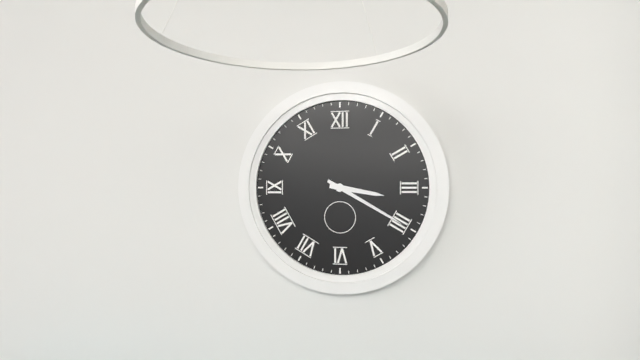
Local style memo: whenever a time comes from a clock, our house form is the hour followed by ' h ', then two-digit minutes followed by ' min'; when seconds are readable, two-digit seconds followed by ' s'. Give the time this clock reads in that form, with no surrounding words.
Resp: 3 h 20 min
